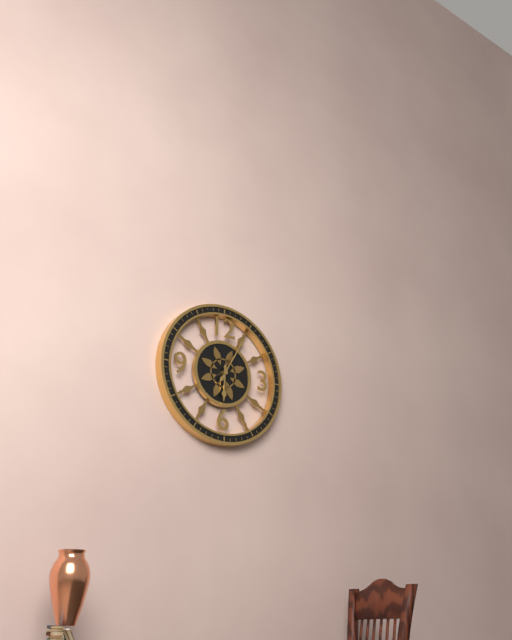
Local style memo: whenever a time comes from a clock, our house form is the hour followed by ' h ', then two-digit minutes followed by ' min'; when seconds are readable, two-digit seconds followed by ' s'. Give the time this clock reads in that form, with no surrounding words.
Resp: 6 h 05 min
